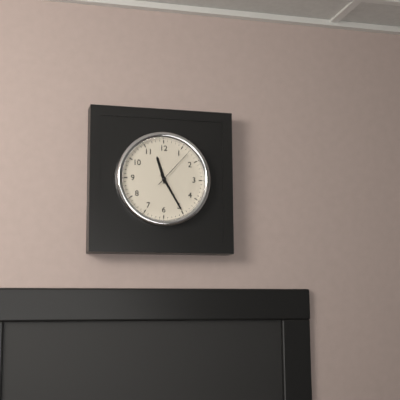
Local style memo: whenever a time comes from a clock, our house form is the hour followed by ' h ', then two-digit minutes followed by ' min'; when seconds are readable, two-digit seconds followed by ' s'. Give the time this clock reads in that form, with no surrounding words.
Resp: 11 h 25 min
